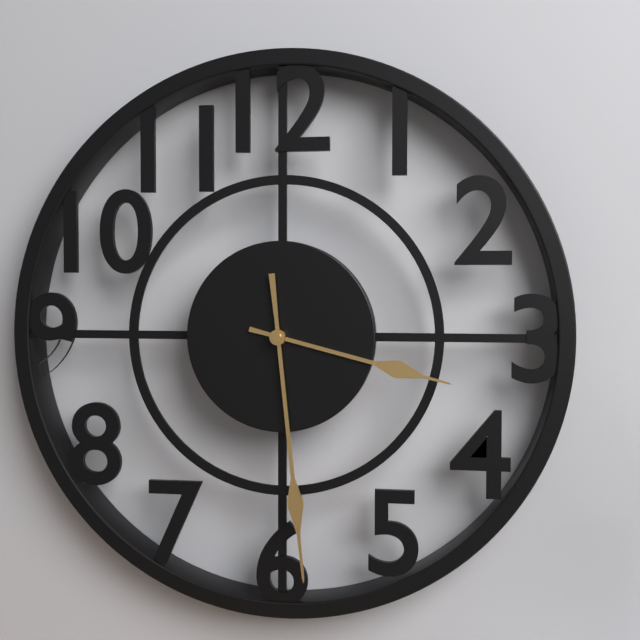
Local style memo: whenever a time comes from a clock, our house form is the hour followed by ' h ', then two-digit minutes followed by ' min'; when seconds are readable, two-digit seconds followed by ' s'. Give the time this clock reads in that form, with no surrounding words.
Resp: 3 h 29 min
